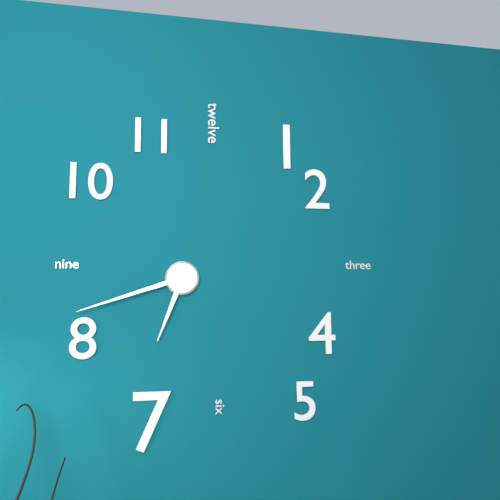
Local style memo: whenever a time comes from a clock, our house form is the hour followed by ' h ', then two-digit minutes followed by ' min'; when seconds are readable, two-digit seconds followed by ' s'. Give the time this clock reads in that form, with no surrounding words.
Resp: 6 h 42 min
